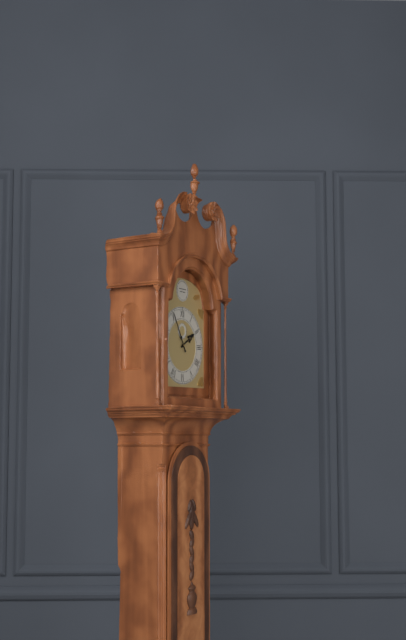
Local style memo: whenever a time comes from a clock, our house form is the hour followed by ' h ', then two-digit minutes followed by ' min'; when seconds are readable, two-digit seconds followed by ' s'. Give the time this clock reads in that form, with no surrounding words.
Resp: 1 h 55 min
